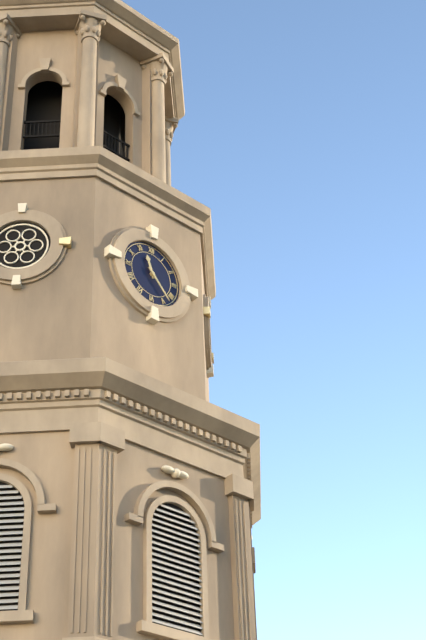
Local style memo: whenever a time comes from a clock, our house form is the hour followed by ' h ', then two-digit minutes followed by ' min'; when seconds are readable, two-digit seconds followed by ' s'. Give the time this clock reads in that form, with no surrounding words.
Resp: 11 h 23 min
